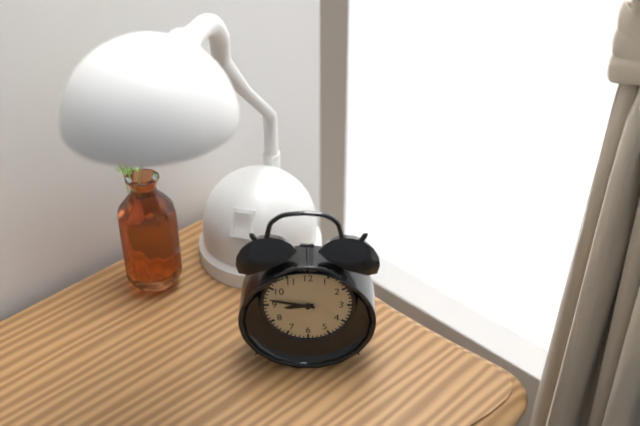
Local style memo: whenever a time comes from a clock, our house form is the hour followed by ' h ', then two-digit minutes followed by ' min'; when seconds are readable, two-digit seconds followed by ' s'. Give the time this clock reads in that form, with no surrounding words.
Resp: 8 h 47 min
